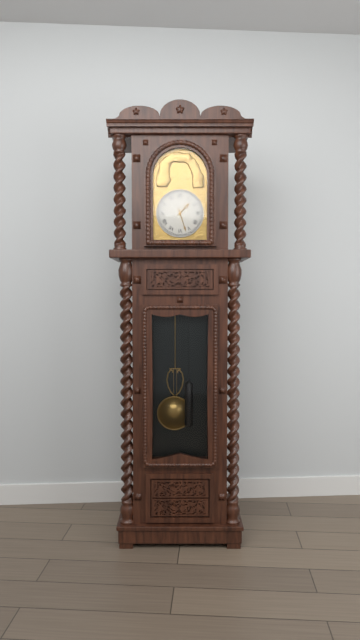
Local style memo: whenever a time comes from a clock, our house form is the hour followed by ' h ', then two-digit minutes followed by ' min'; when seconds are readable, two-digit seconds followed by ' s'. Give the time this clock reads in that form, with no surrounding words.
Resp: 1 h 27 min
